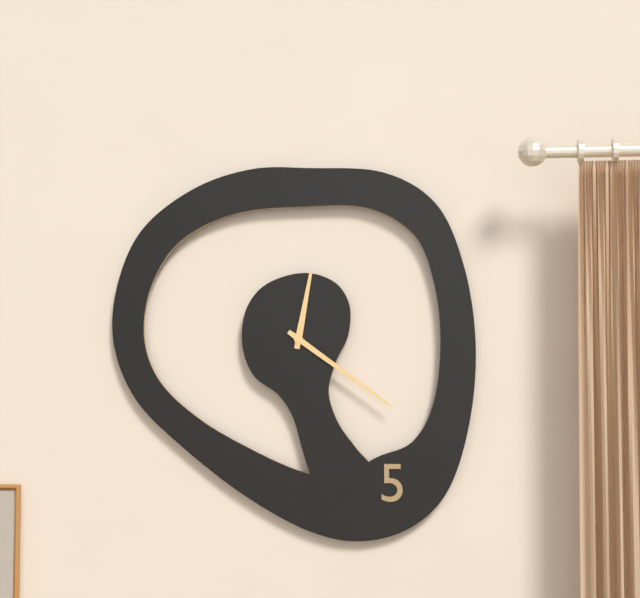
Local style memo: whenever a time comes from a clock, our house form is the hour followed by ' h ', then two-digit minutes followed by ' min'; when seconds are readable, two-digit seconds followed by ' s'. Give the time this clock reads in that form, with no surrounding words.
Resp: 12 h 21 min
